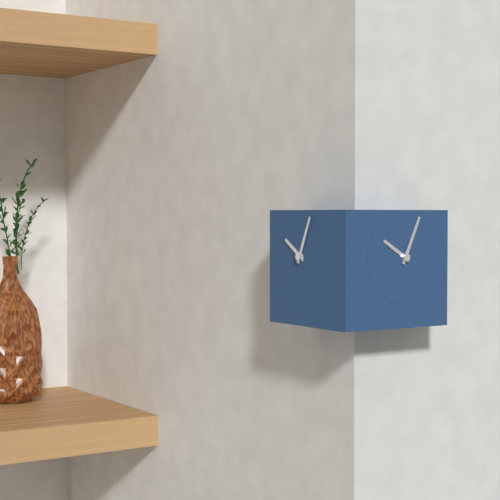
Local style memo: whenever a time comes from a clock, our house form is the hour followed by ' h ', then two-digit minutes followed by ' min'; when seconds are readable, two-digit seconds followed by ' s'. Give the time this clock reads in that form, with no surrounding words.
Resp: 10 h 04 min
